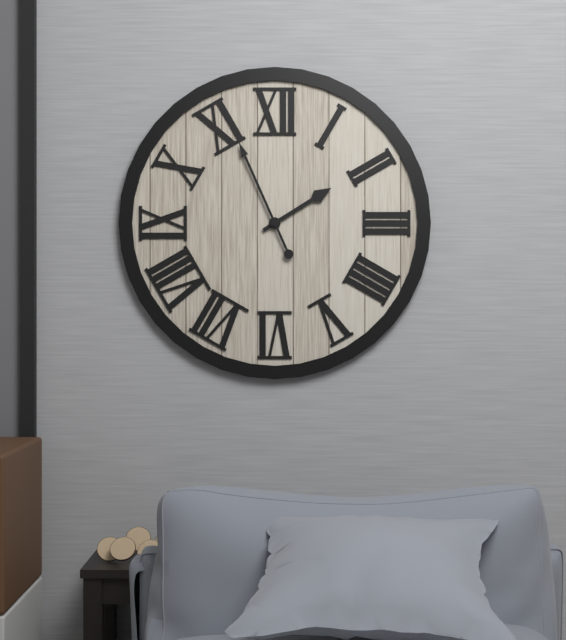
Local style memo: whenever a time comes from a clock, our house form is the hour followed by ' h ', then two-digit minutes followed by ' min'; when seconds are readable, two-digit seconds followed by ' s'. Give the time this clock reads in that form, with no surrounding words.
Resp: 1 h 56 min
